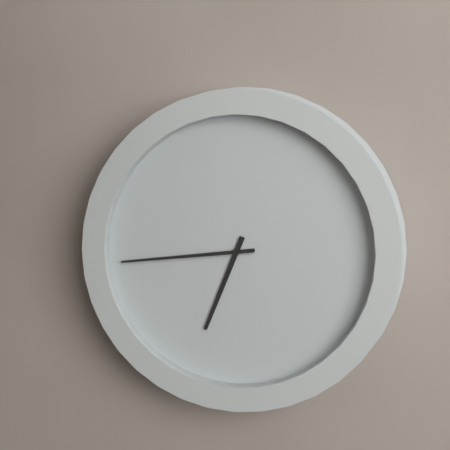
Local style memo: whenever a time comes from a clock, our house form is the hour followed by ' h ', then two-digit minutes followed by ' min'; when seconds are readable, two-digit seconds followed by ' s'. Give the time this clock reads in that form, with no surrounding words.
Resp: 6 h 44 min
